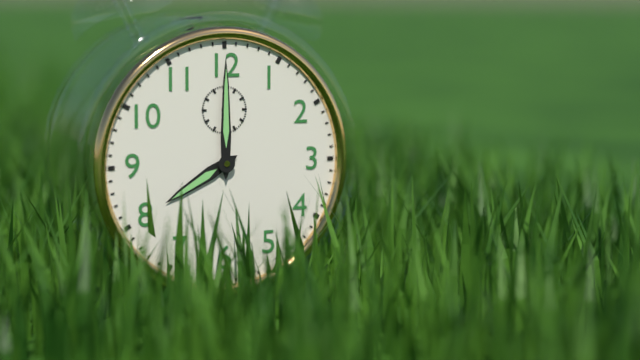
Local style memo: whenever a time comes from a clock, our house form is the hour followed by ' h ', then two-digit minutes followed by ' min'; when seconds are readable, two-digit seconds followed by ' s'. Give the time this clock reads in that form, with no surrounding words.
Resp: 8 h 00 min
